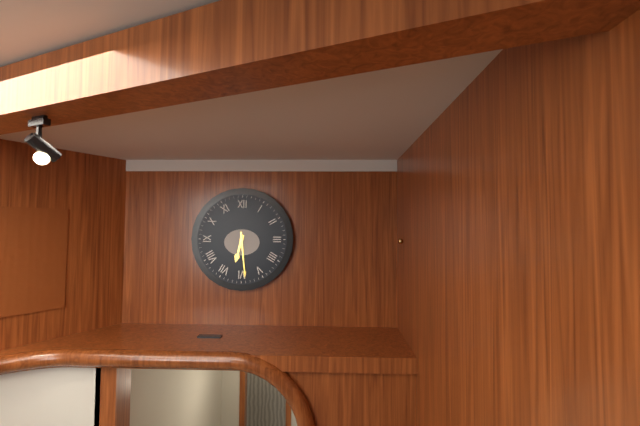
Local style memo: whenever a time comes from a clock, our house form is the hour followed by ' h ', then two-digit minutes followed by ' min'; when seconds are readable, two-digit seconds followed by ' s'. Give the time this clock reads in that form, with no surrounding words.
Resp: 6 h 29 min
